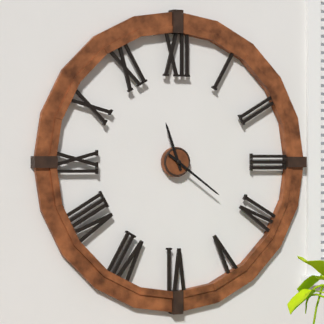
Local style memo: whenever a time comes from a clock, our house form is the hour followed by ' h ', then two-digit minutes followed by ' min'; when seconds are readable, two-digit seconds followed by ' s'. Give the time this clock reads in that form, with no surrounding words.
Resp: 11 h 21 min
